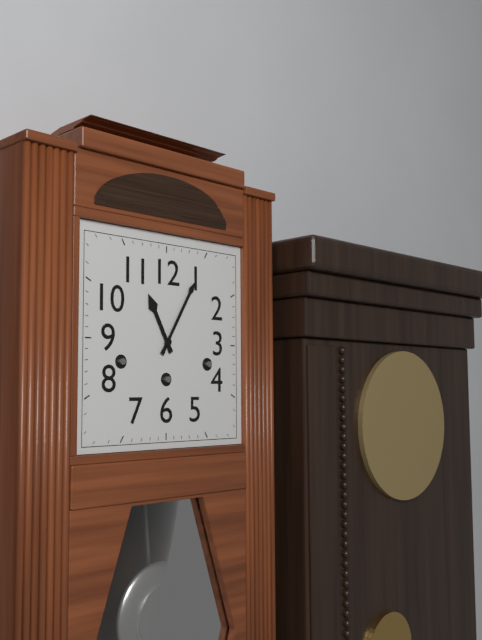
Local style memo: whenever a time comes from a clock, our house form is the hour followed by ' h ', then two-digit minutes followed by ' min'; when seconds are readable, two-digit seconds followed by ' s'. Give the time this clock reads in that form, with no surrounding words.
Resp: 11 h 05 min
